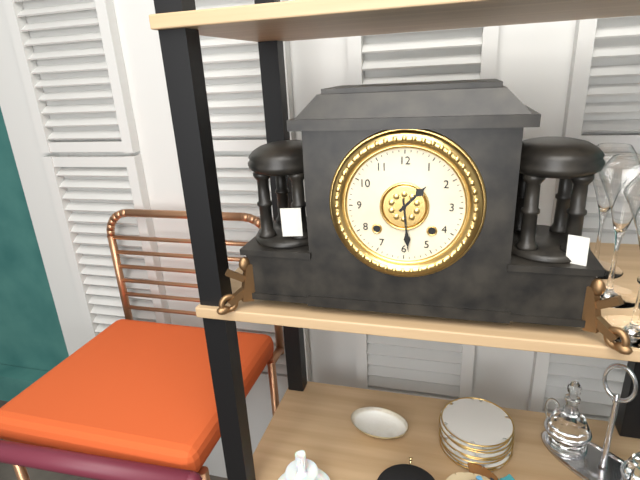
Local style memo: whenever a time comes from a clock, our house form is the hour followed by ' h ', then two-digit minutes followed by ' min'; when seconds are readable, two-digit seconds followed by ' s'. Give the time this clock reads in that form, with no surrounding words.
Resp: 1 h 29 min
